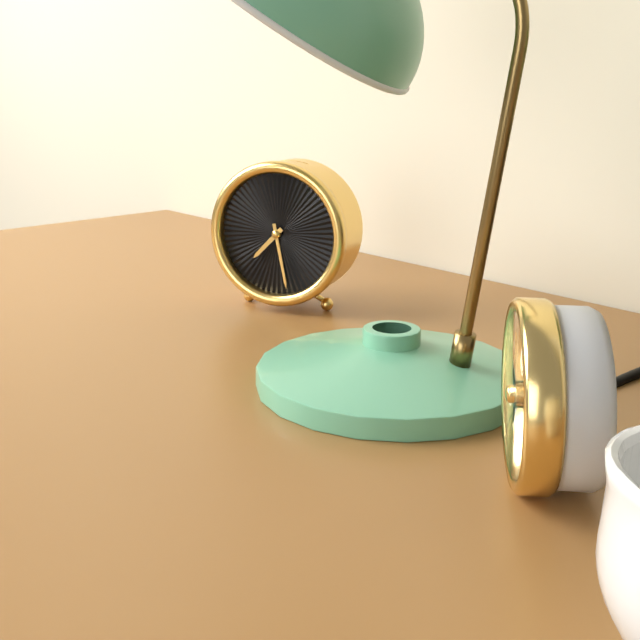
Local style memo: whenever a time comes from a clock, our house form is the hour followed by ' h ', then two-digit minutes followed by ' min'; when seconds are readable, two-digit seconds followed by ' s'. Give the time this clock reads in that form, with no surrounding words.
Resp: 7 h 28 min
